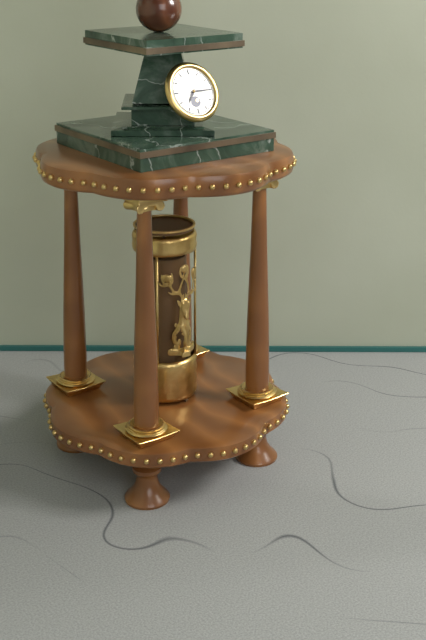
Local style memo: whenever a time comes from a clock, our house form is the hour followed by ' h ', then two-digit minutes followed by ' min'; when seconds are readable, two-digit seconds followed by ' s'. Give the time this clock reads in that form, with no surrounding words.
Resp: 7 h 15 min
